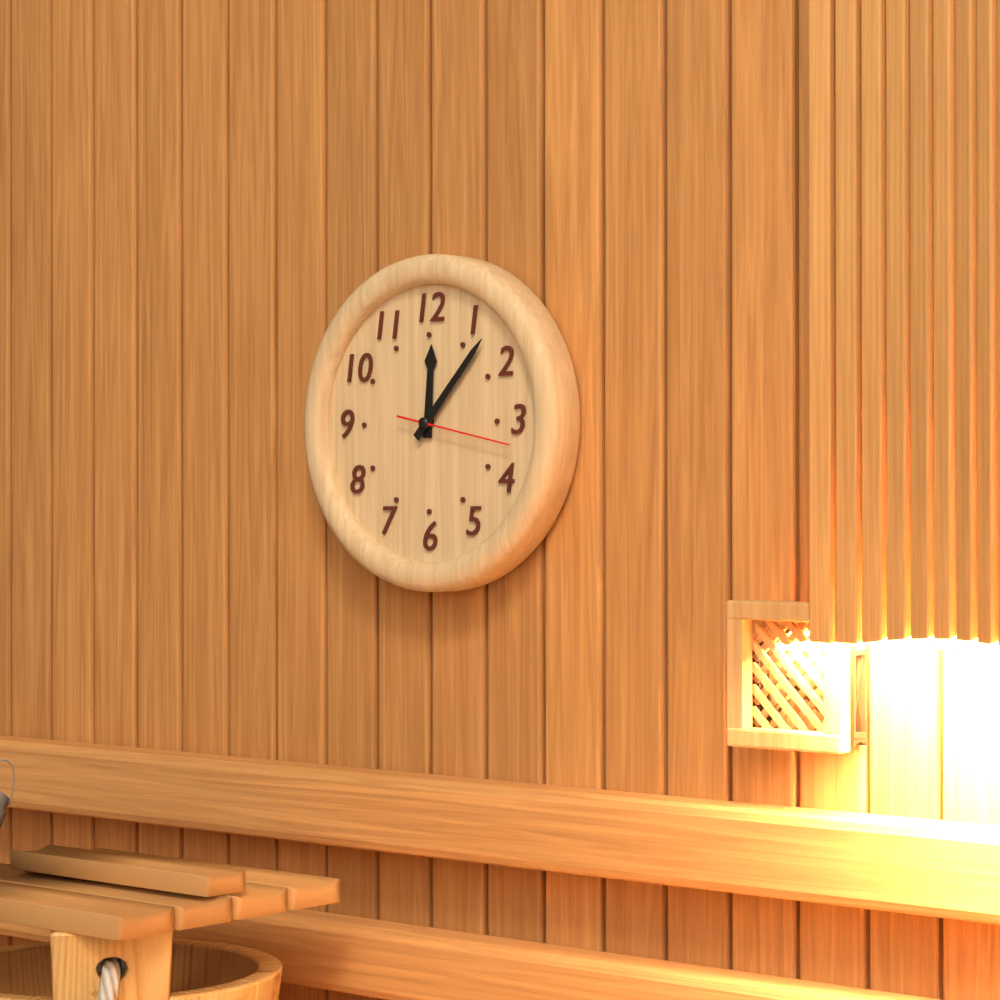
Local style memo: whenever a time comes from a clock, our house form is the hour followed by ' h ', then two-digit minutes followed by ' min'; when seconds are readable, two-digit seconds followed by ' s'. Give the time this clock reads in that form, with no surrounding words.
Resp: 12 h 07 min 17 s
